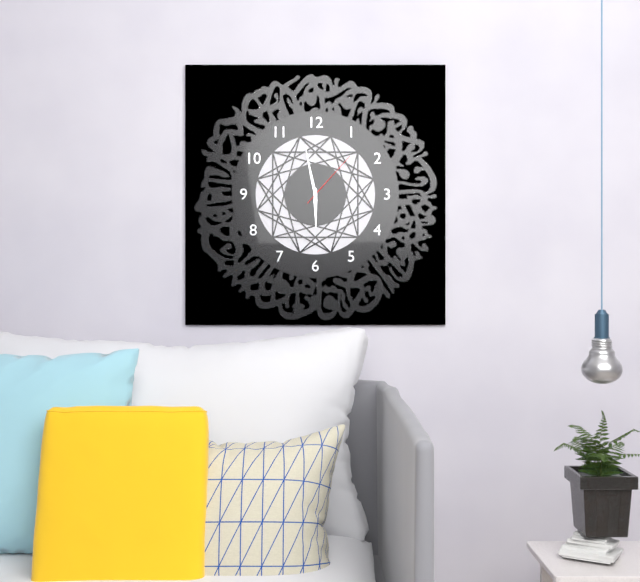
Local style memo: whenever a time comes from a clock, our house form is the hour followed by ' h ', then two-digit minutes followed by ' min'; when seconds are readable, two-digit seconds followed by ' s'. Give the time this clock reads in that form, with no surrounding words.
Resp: 5 h 58 min 07 s
